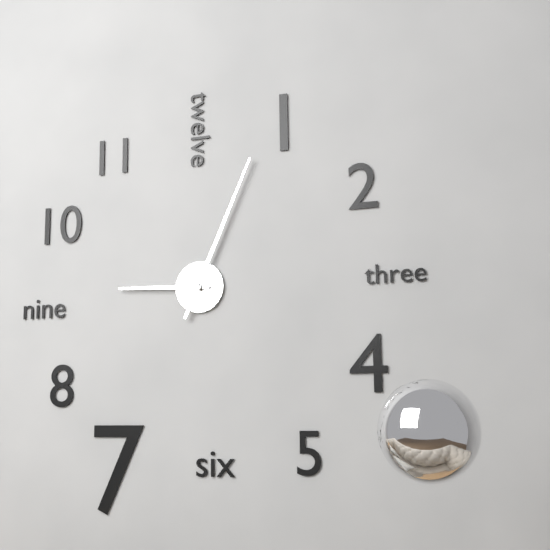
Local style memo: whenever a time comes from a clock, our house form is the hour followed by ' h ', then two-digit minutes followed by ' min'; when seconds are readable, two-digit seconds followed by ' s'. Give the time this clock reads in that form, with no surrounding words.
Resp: 9 h 04 min
